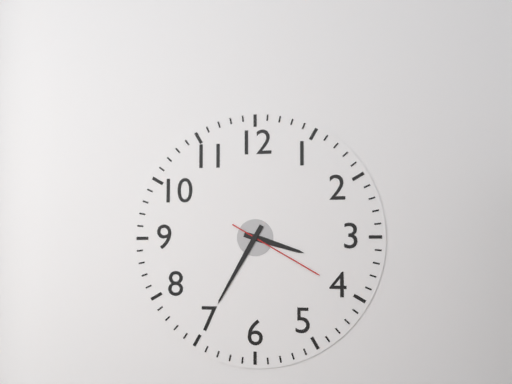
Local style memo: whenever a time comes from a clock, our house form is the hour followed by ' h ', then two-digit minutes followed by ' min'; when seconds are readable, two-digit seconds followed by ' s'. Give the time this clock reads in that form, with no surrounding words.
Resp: 3 h 35 min 20 s
